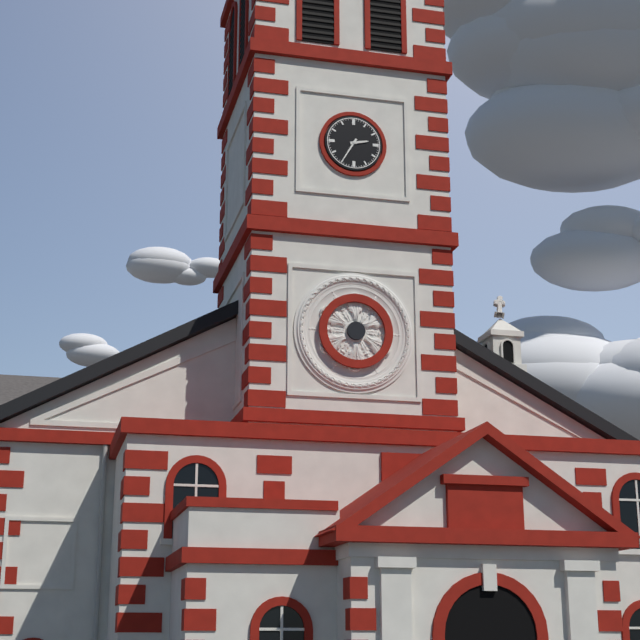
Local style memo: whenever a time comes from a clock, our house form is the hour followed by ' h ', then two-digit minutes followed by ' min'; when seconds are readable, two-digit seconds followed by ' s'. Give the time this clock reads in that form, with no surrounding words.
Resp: 2 h 35 min
